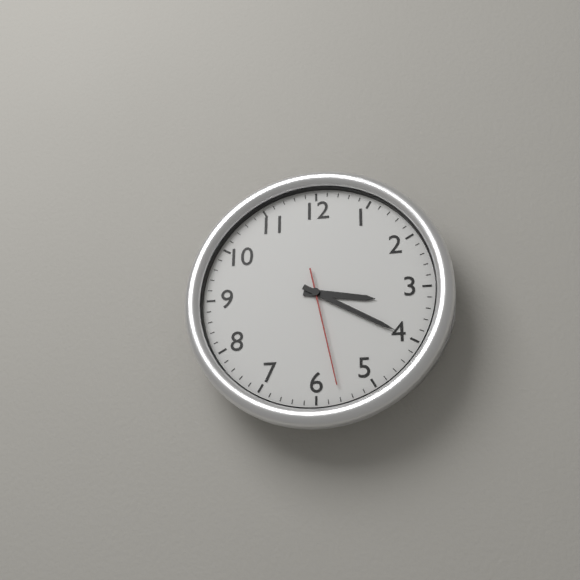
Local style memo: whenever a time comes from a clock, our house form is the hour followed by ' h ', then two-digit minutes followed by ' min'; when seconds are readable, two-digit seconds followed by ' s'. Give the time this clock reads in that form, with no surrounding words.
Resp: 3 h 20 min 28 s
